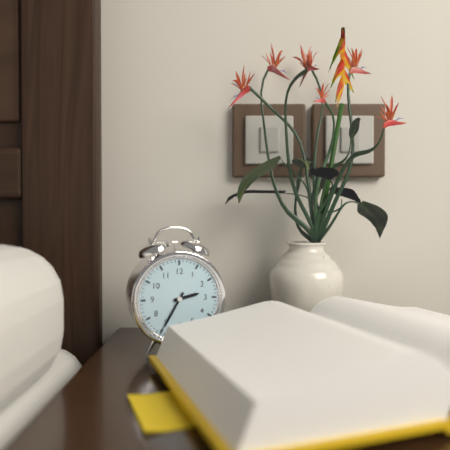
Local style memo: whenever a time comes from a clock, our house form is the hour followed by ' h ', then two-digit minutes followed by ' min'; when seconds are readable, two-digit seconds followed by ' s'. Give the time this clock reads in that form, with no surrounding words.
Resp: 2 h 35 min
